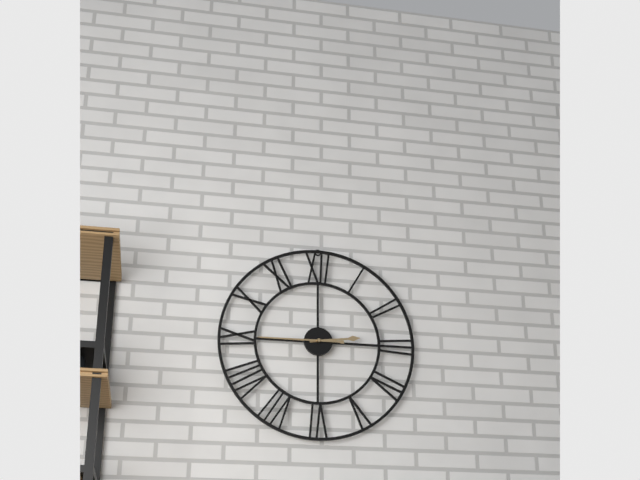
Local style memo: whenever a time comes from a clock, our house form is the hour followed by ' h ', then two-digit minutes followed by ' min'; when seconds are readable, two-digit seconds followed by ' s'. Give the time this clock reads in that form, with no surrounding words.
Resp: 2 h 45 min
